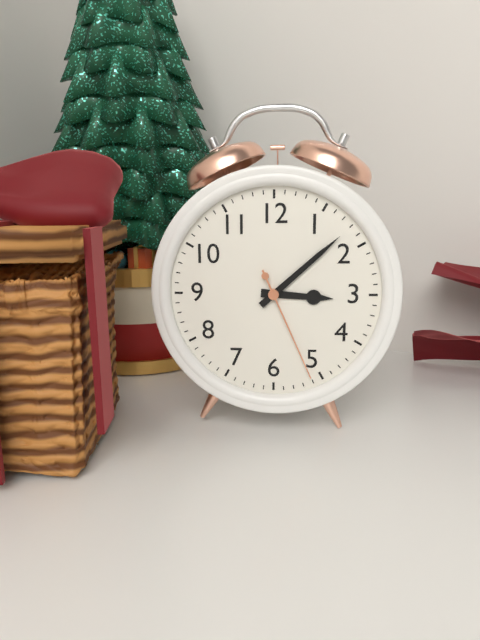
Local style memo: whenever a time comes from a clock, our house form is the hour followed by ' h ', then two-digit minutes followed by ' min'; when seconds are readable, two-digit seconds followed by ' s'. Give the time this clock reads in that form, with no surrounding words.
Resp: 3 h 08 min 26 s
